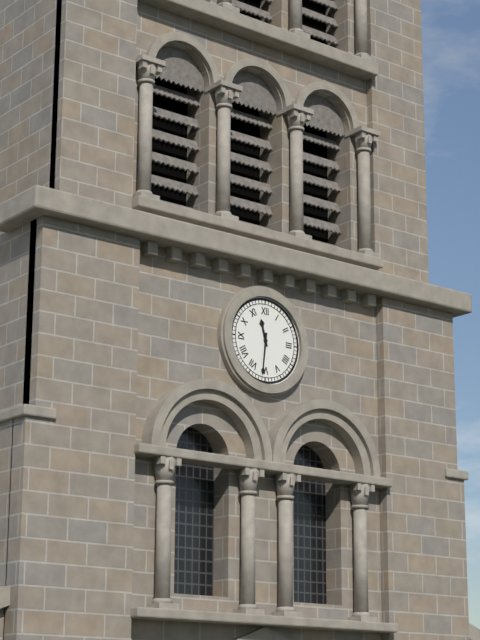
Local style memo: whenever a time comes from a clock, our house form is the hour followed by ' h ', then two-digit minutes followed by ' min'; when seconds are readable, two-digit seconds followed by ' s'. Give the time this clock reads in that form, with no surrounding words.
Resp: 11 h 31 min
